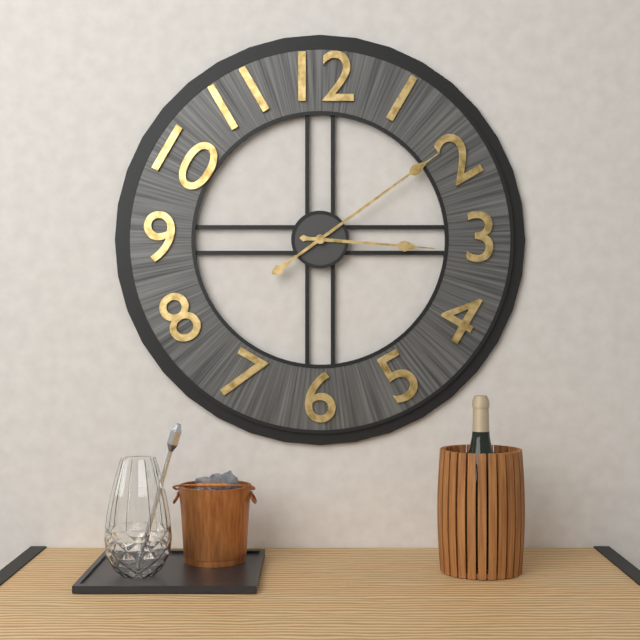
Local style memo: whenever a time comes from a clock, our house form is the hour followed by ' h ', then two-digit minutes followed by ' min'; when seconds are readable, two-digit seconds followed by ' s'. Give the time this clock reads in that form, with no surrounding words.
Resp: 3 h 09 min
